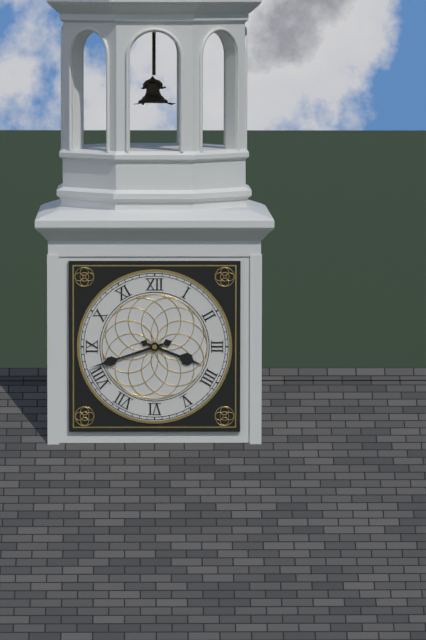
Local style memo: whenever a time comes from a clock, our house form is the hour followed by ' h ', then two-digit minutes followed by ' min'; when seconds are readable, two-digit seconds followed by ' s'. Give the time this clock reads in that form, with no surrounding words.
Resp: 3 h 42 min
